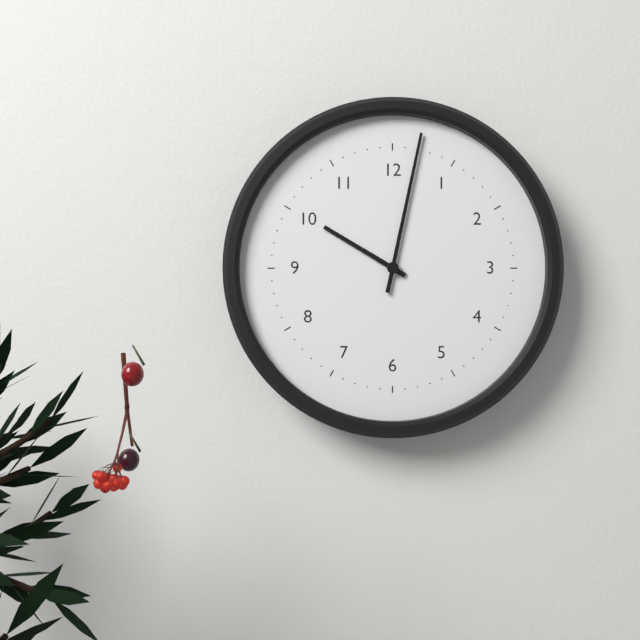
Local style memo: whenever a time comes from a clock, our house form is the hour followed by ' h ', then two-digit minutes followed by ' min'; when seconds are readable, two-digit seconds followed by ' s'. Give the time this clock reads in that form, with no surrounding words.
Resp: 10 h 02 min
